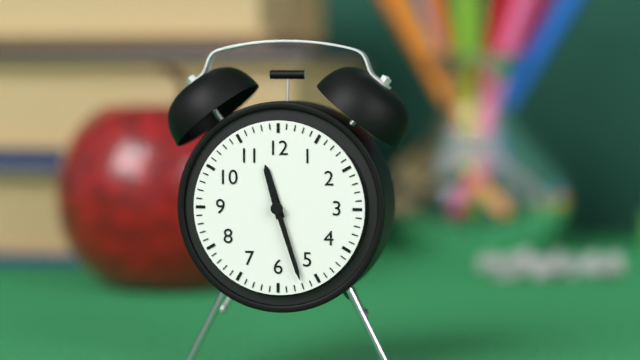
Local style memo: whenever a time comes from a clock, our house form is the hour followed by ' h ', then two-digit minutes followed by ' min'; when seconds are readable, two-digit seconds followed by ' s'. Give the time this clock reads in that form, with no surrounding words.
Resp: 11 h 27 min
